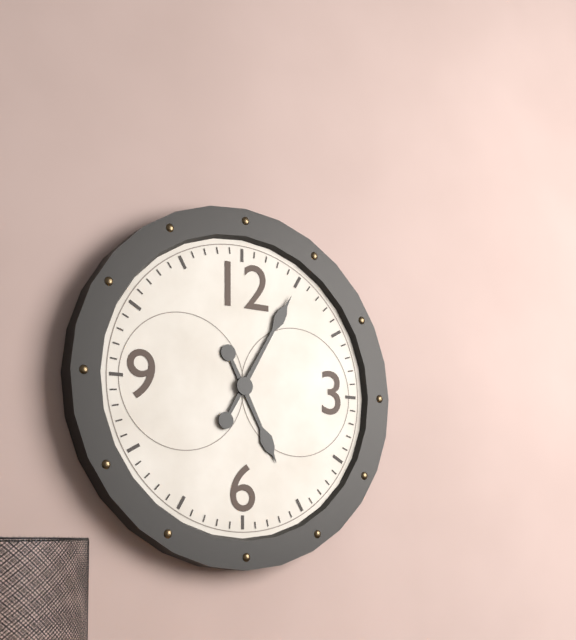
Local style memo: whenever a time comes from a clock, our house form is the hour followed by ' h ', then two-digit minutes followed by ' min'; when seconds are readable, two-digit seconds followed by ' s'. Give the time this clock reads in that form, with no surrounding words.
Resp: 5 h 05 min
